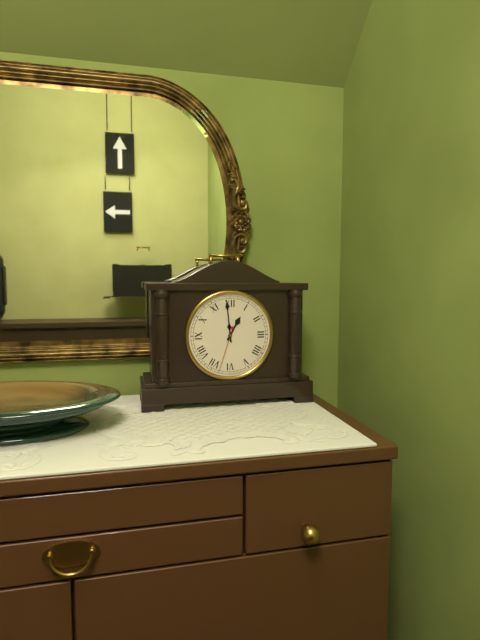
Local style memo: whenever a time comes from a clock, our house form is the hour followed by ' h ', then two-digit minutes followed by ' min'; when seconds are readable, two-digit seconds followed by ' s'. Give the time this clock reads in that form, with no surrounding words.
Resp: 12 h 59 min
